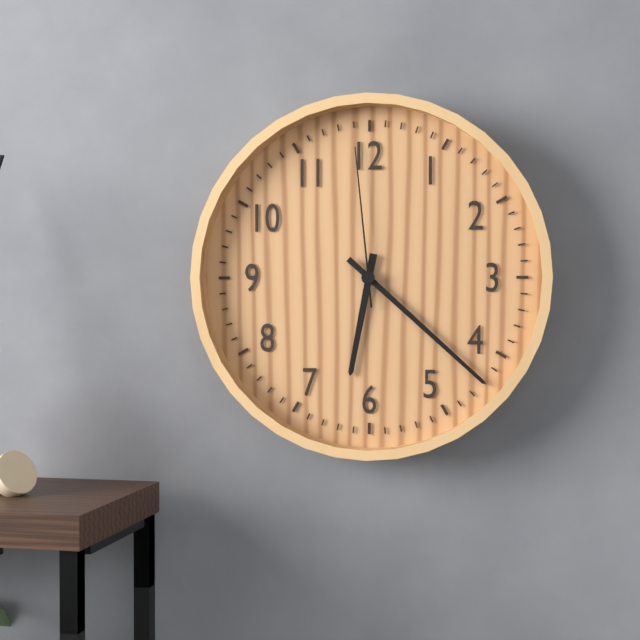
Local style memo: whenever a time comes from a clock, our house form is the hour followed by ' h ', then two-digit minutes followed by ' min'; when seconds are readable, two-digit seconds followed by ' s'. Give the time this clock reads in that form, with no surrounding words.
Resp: 6 h 22 min 59 s
